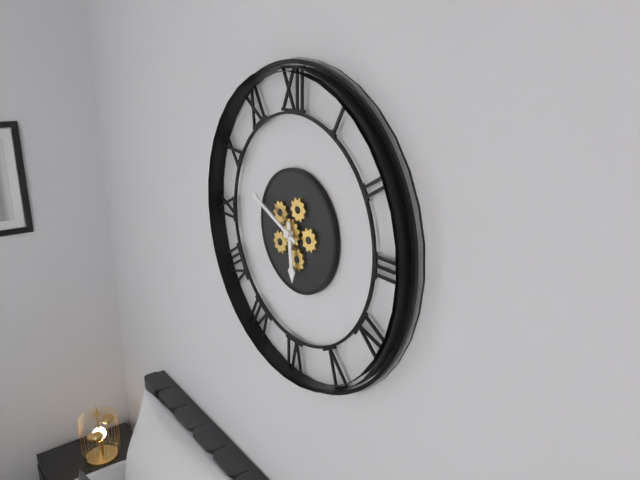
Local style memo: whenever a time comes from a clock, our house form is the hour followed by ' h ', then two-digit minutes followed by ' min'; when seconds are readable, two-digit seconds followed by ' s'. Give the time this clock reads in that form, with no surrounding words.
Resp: 5 h 49 min
